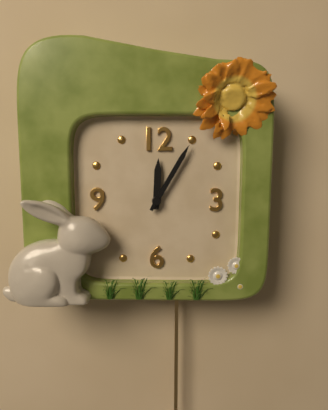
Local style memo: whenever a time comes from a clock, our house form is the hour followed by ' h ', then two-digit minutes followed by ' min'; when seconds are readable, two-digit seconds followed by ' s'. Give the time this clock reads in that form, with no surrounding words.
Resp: 12 h 05 min
